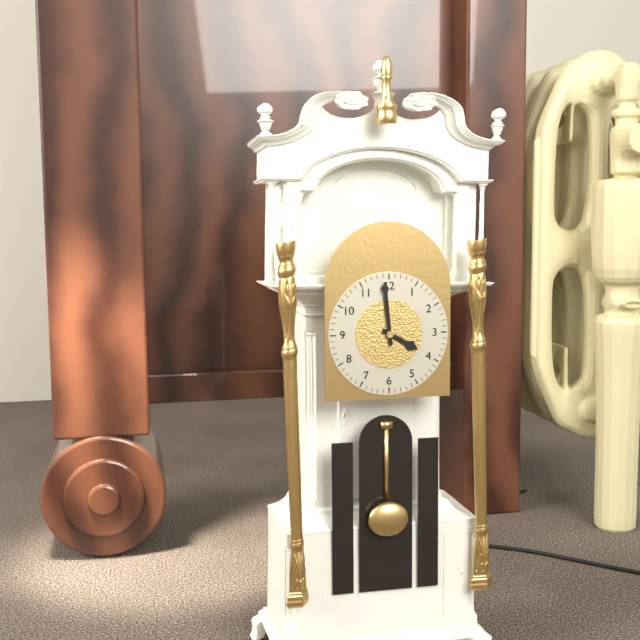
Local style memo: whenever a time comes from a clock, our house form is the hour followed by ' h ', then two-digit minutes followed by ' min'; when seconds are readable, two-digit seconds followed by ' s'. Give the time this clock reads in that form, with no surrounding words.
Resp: 3 h 59 min
